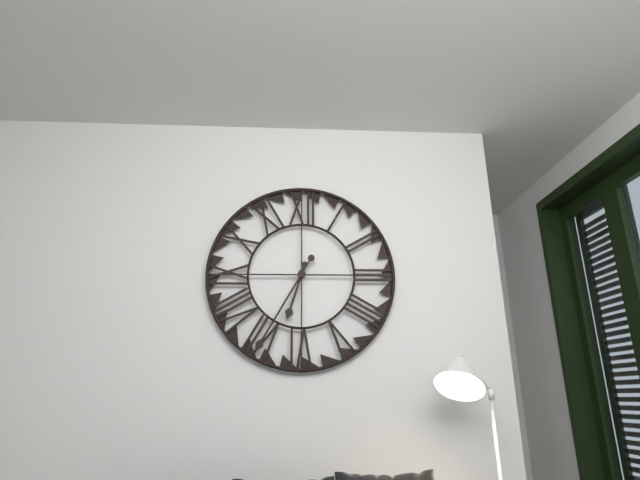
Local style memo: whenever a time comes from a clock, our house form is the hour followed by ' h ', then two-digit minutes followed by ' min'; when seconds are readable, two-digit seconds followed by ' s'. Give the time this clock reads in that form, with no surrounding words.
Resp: 6 h 35 min
